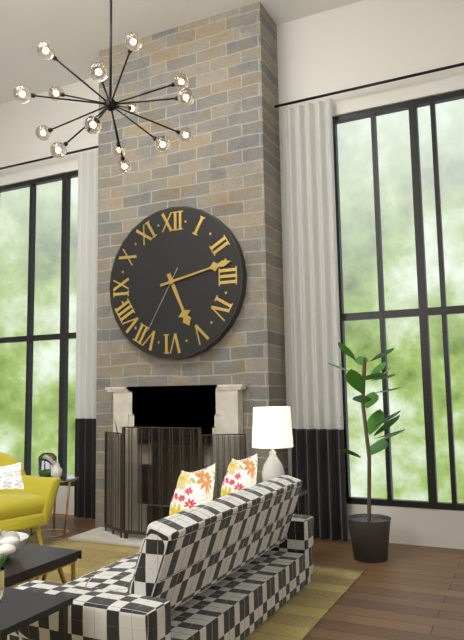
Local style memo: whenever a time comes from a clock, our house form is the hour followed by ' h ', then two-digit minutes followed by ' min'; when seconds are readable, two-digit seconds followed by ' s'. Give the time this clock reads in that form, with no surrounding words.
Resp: 5 h 13 min 35 s
